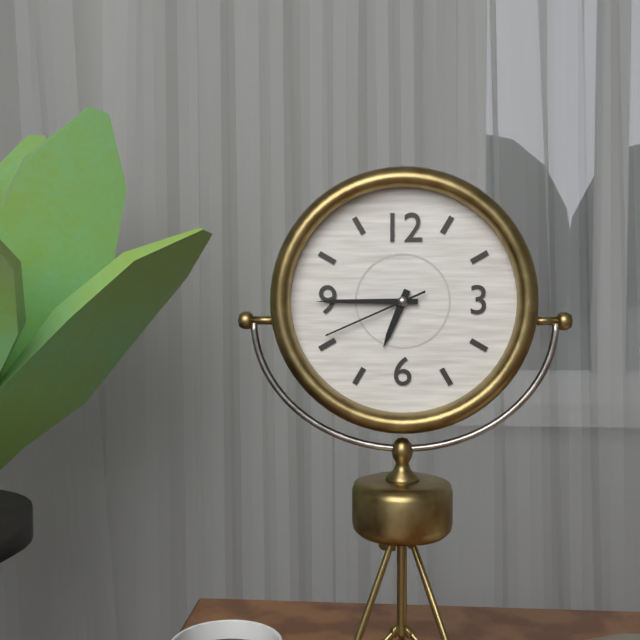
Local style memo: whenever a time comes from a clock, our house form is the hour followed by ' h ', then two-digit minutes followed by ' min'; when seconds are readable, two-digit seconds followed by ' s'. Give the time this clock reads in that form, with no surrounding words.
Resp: 6 h 45 min 41 s
